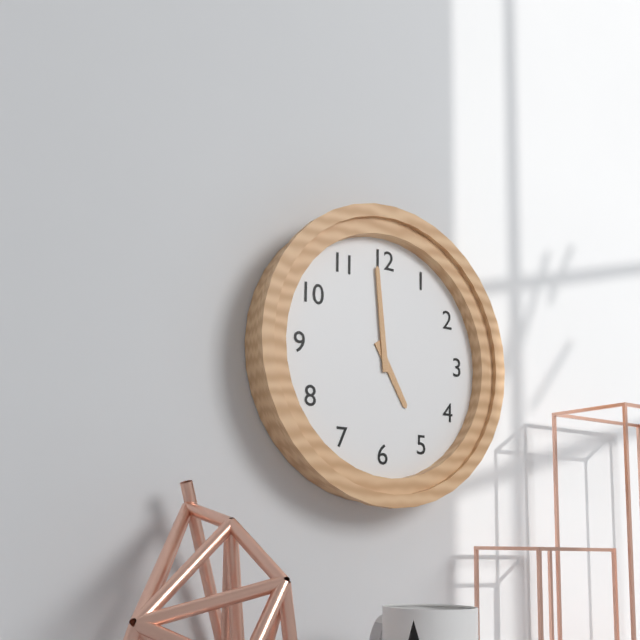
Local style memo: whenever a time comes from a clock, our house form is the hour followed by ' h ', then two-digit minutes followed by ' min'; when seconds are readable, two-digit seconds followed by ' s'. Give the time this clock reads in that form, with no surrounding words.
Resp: 4 h 59 min
